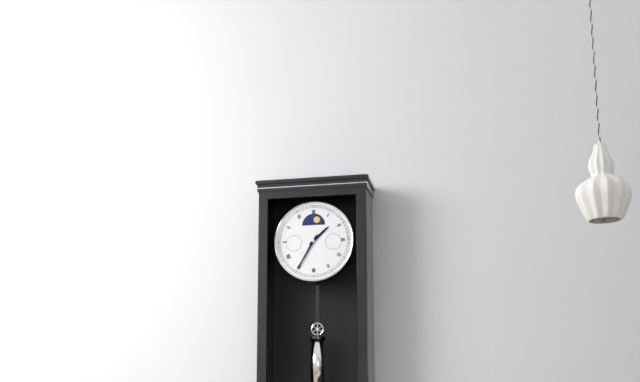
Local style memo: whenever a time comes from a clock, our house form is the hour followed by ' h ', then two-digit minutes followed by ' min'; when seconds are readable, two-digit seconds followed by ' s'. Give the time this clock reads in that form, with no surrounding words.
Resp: 1 h 35 min
